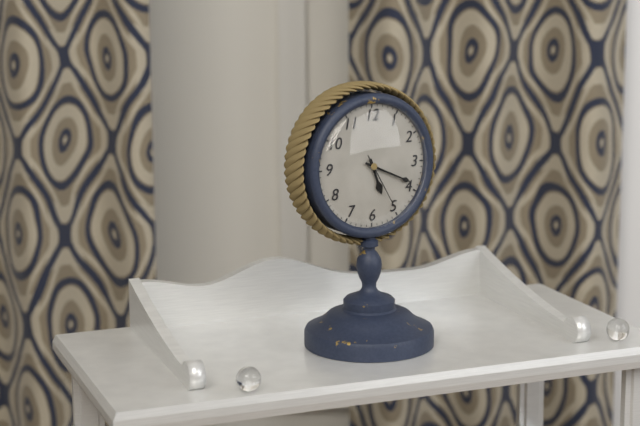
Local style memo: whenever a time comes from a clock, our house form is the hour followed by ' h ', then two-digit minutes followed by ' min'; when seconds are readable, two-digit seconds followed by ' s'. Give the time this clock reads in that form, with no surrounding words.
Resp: 5 h 19 min 25 s
